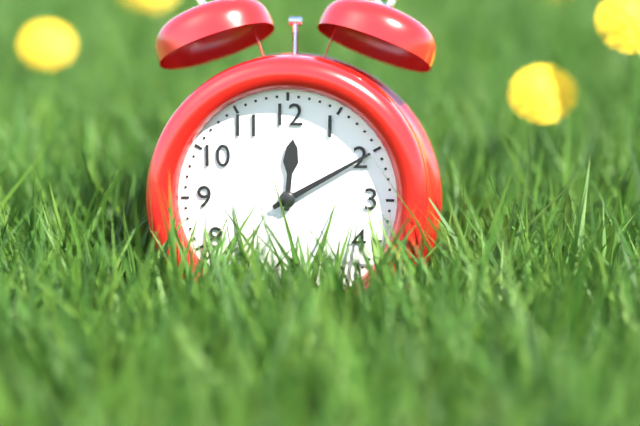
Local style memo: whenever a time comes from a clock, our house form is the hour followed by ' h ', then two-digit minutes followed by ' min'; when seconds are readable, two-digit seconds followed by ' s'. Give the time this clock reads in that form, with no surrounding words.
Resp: 12 h 10 min
